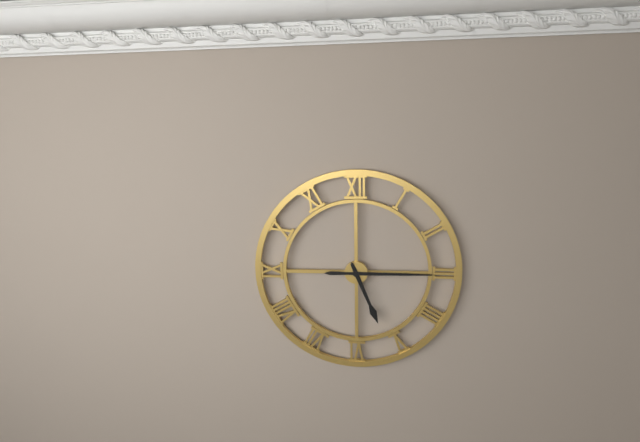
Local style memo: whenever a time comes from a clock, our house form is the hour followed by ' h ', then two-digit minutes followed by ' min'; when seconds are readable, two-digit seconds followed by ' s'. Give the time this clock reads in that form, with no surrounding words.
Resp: 5 h 15 min
